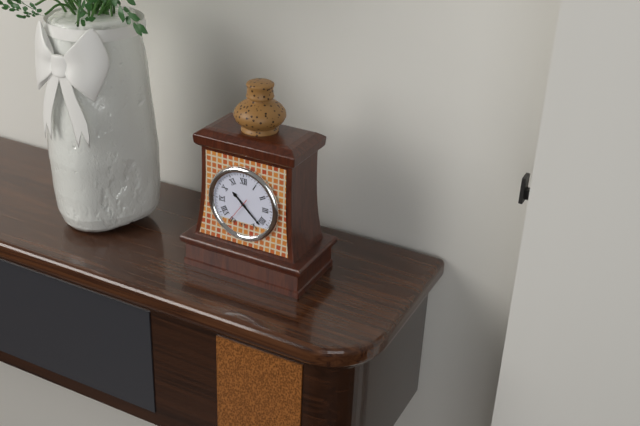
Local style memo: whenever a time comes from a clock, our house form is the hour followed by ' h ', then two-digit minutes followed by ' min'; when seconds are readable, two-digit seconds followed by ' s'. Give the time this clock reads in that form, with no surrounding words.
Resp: 10 h 22 min
